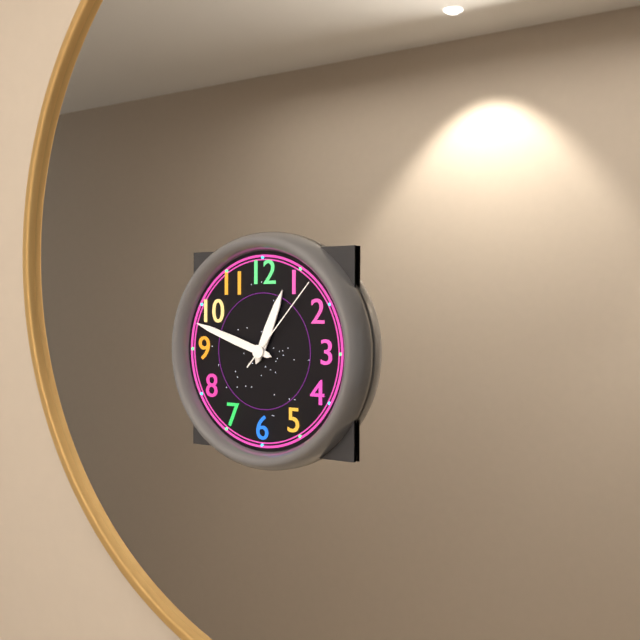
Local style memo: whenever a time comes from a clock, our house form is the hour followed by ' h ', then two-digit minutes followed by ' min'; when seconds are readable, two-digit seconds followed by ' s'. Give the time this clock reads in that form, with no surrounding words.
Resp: 12 h 48 min 07 s
